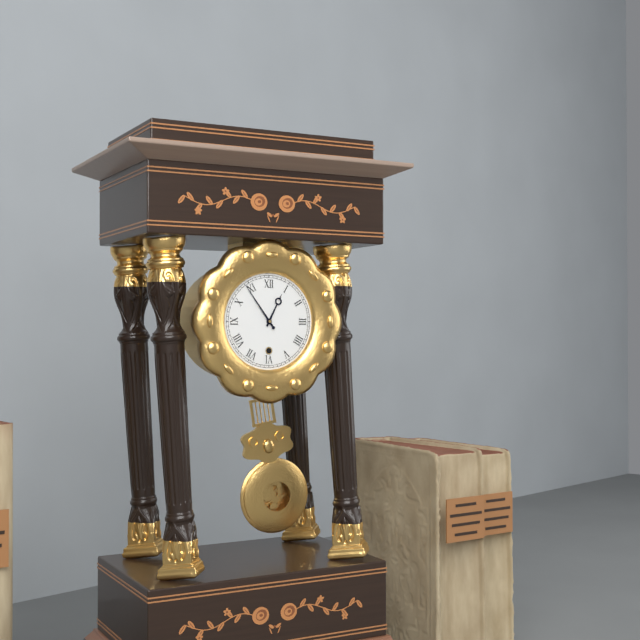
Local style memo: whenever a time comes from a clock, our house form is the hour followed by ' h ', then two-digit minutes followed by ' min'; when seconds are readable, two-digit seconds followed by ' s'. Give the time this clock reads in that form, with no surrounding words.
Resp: 12 h 54 min
